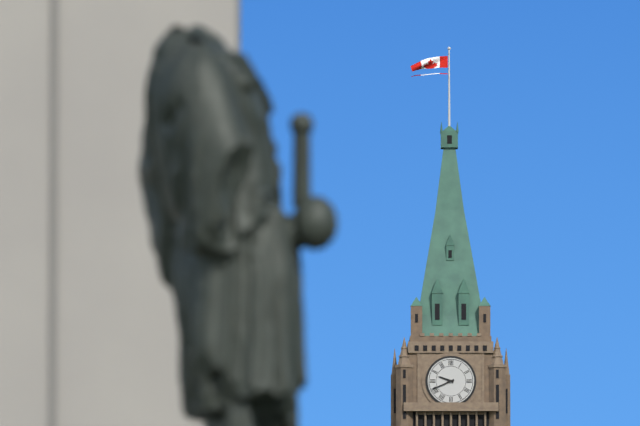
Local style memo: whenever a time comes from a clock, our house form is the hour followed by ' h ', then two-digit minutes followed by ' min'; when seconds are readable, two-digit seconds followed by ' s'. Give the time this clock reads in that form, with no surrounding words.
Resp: 9 h 41 min
